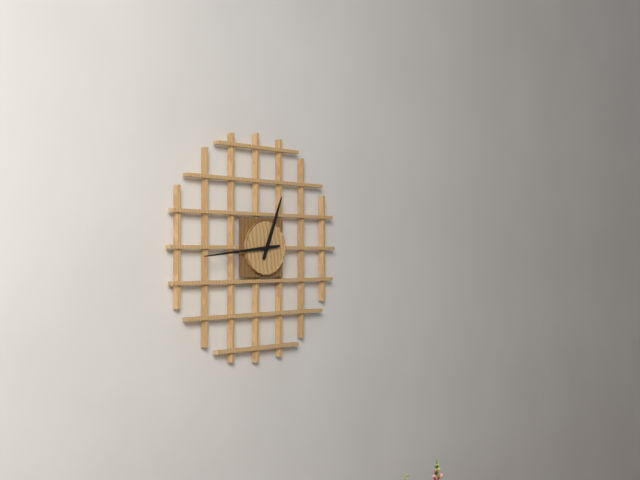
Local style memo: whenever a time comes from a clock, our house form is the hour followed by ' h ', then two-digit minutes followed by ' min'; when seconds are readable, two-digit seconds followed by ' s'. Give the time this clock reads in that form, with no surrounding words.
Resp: 12 h 44 min
